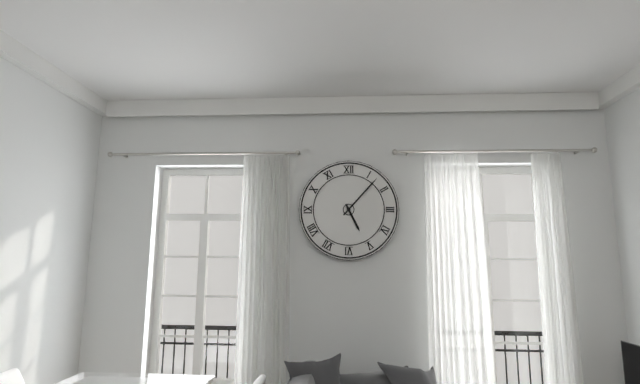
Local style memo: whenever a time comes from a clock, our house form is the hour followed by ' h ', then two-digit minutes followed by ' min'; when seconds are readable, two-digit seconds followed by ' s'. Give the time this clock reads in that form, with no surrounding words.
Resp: 5 h 07 min
